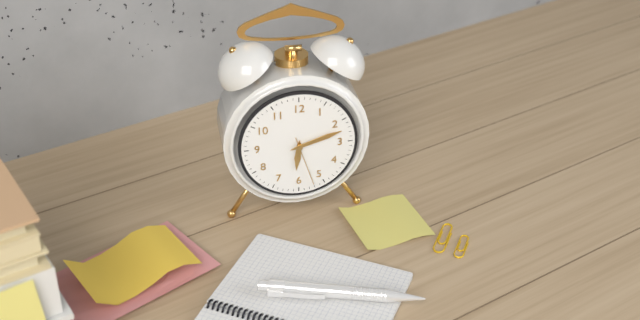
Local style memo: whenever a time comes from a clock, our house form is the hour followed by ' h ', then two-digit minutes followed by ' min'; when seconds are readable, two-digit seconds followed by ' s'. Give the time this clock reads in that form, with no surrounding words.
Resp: 6 h 12 min 27 s
